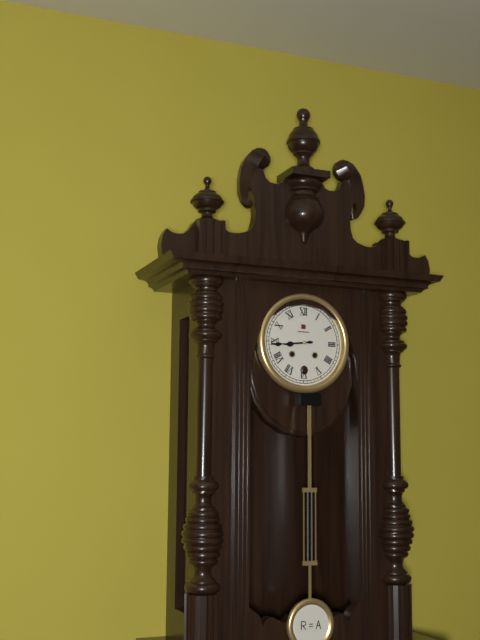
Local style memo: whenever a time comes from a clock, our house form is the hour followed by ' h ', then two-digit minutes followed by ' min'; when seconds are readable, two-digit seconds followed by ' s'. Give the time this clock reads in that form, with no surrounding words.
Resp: 8 h 44 min
